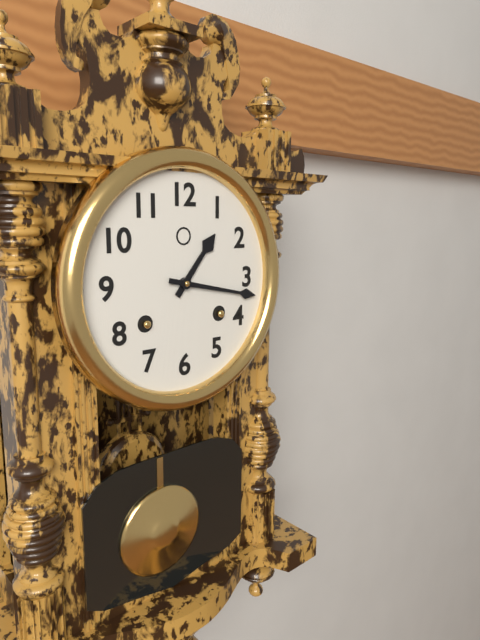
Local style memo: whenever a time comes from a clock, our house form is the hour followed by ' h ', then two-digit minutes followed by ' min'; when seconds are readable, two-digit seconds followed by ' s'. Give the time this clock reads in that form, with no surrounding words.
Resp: 1 h 17 min
